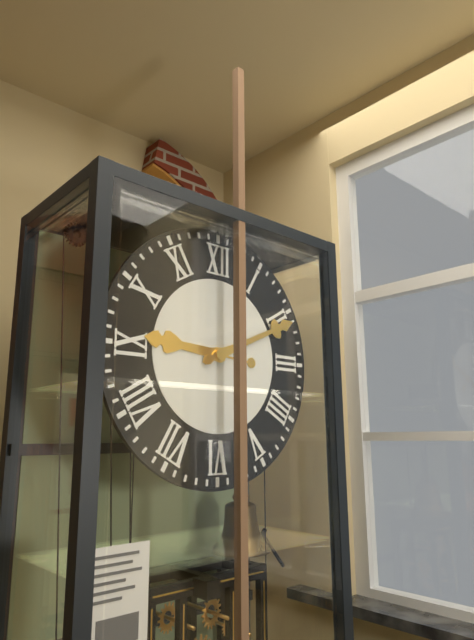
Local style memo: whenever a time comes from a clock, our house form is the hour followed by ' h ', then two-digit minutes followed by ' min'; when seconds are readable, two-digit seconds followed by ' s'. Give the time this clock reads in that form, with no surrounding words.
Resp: 9 h 11 min
